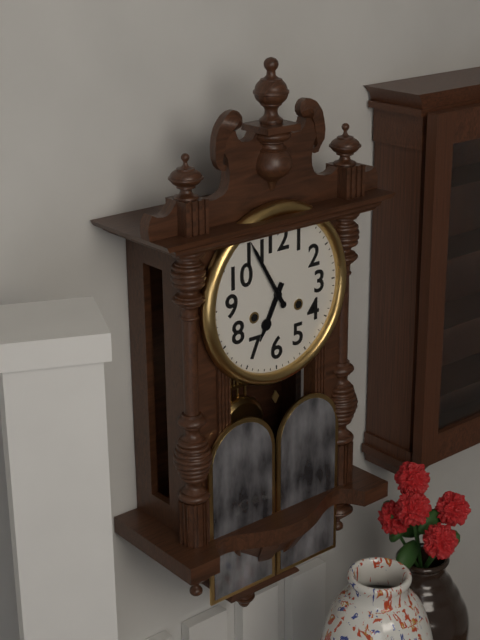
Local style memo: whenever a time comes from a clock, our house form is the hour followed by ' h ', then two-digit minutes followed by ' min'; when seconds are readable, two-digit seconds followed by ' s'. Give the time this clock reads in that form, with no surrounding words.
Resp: 6 h 55 min
